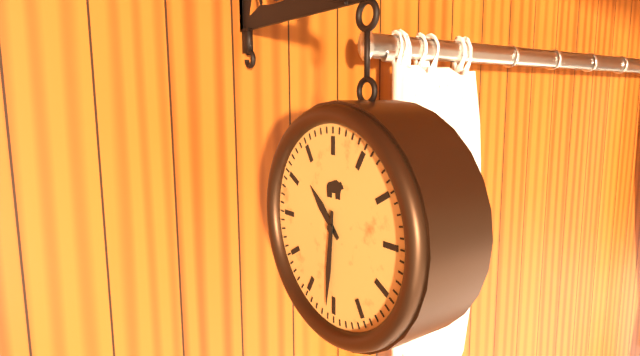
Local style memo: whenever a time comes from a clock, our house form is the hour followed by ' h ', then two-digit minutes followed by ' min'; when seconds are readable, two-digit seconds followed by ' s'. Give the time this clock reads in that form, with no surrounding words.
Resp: 10 h 31 min
